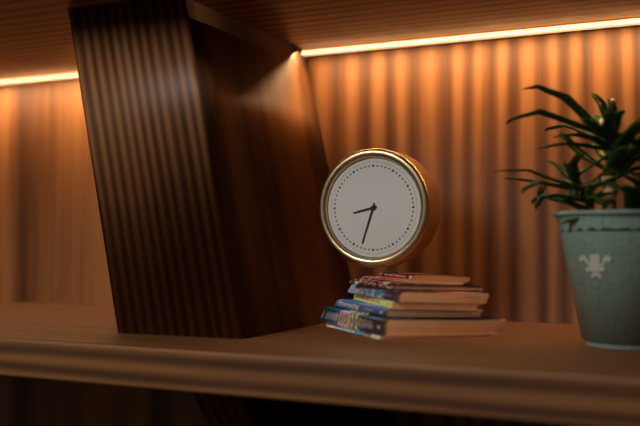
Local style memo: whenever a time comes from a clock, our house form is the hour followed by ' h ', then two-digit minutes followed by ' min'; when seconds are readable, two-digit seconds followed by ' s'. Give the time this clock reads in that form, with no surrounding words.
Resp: 8 h 33 min
